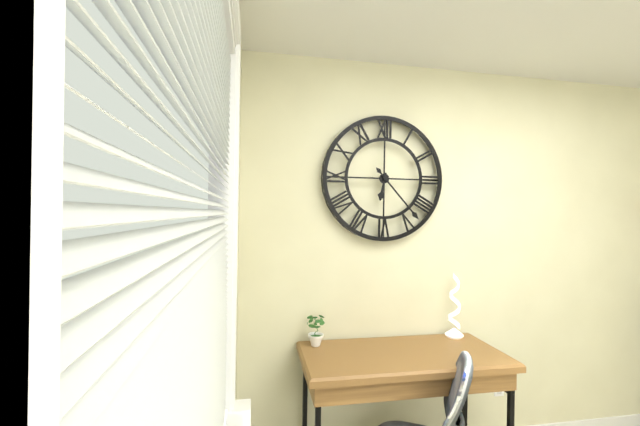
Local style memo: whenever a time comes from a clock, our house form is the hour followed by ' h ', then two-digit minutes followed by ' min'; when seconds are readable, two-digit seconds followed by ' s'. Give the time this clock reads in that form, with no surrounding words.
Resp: 6 h 23 min
